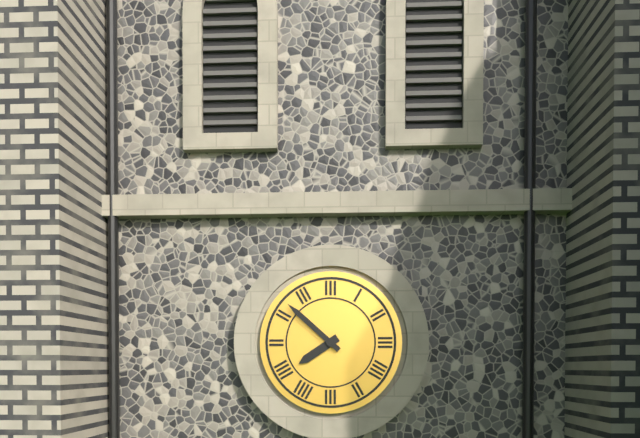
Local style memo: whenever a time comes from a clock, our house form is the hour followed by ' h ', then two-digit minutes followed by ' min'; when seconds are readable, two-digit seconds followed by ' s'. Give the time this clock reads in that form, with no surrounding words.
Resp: 7 h 52 min
